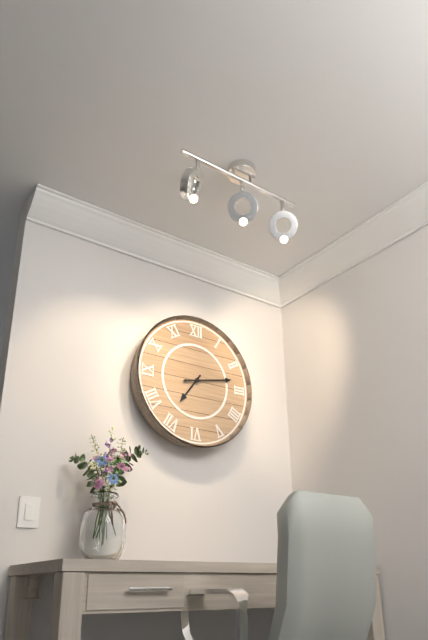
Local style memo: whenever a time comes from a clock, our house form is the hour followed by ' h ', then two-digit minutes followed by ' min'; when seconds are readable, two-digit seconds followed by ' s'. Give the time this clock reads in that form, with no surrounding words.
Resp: 7 h 13 min
